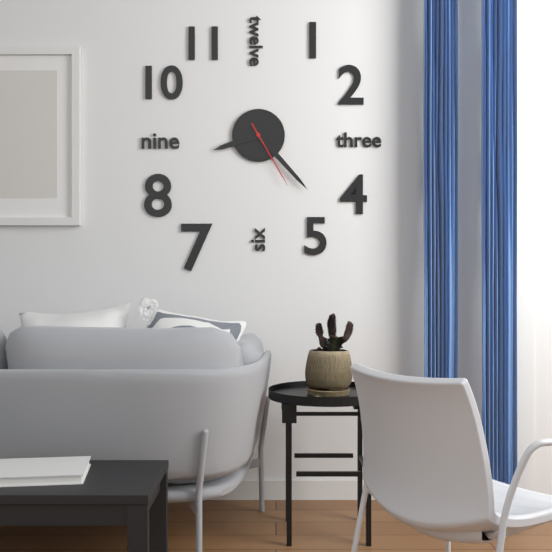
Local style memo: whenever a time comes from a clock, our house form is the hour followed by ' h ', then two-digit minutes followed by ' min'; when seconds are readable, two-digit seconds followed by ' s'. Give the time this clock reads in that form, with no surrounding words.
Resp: 8 h 23 min 25 s
